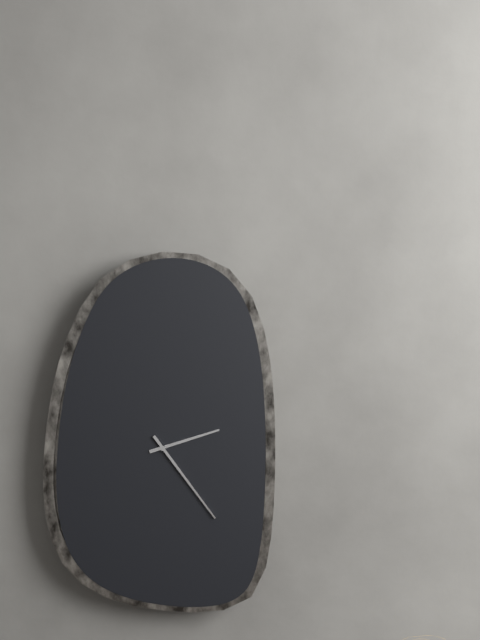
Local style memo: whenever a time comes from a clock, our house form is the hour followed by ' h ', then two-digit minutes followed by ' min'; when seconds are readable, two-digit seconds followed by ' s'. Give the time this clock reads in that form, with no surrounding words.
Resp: 2 h 24 min
